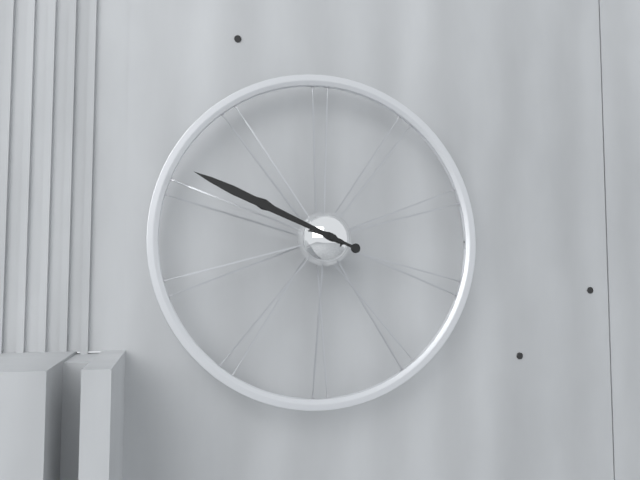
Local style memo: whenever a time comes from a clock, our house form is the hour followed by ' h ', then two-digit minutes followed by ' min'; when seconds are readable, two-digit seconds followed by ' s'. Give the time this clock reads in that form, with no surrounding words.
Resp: 9 h 49 min
